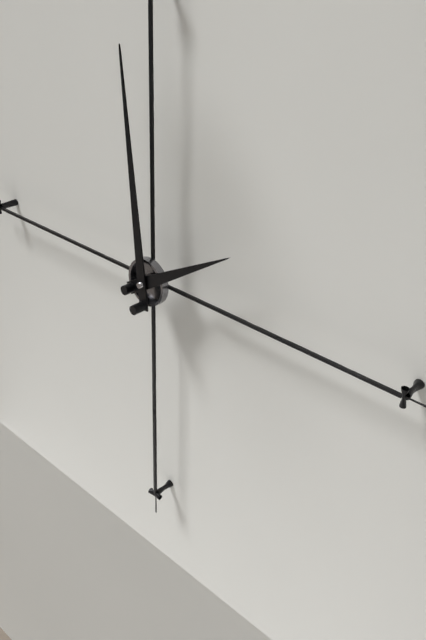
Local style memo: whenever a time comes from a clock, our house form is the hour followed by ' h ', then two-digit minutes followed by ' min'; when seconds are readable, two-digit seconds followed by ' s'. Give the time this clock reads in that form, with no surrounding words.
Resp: 1 h 59 min
